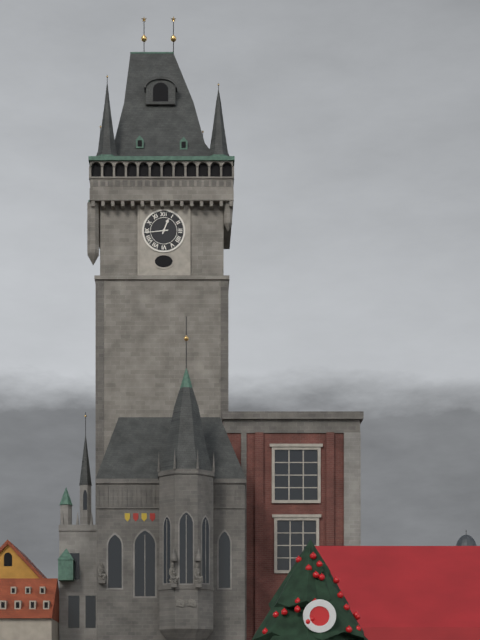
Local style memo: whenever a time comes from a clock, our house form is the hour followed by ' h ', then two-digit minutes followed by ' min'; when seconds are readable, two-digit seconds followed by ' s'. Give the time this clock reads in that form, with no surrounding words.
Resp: 12 h 44 min
